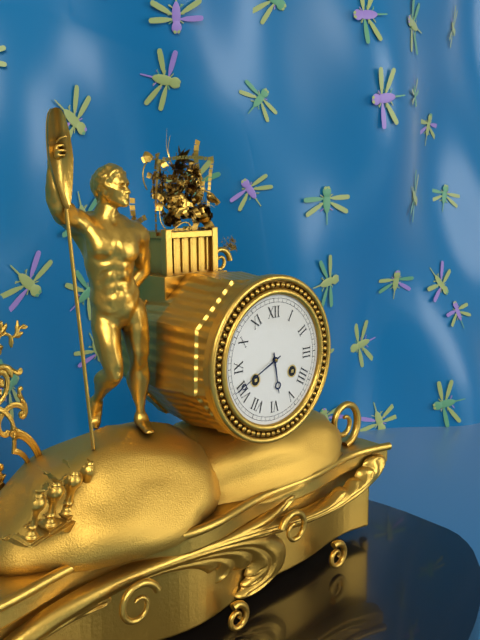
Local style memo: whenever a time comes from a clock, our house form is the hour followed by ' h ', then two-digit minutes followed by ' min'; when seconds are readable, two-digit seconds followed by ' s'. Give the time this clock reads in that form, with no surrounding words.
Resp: 5 h 41 min
